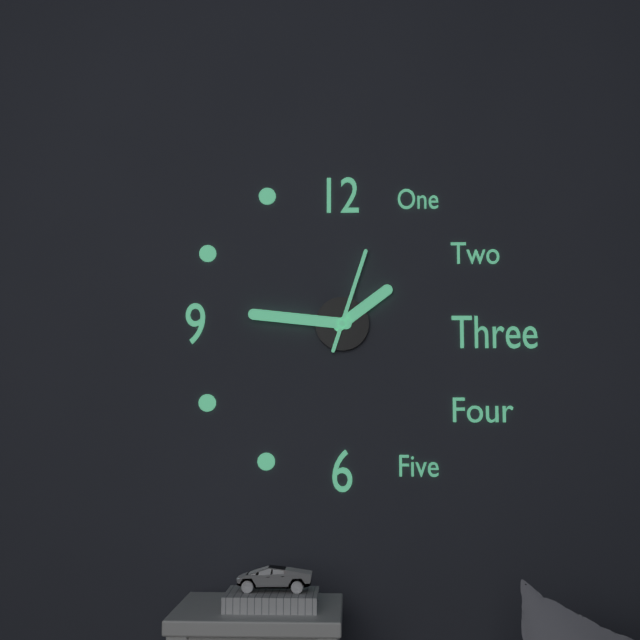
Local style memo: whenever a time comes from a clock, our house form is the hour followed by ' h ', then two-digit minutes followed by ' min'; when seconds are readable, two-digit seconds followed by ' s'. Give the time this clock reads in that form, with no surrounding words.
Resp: 1 h 46 min 03 s
